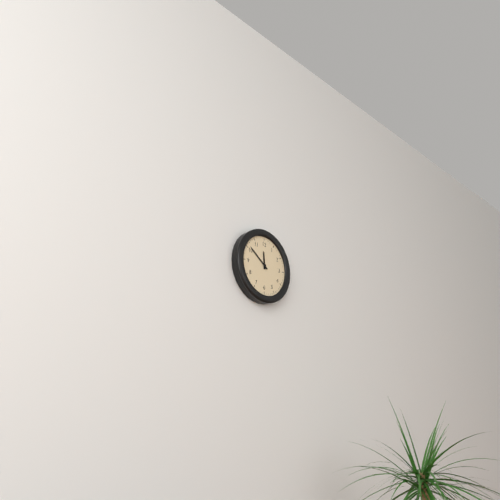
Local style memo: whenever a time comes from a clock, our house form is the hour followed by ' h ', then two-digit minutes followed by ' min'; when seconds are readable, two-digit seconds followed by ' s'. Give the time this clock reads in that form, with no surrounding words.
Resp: 11 h 51 min
